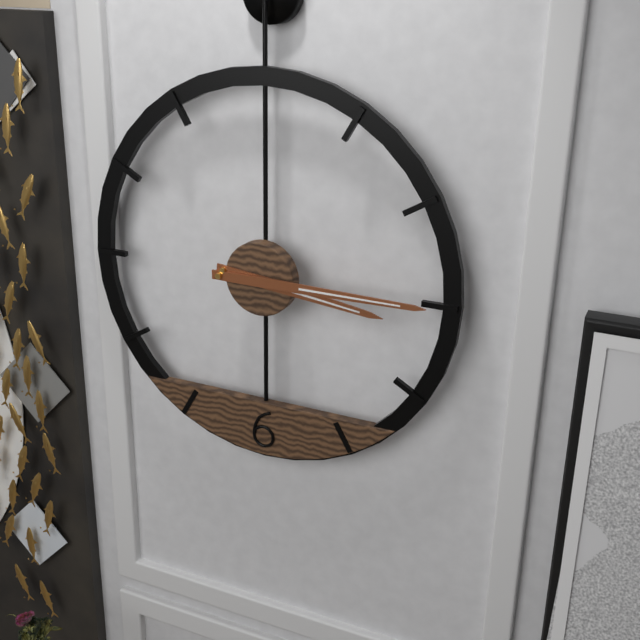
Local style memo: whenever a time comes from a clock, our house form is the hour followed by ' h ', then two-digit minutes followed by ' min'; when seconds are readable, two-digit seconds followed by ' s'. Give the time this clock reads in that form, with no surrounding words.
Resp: 3 h 15 min
